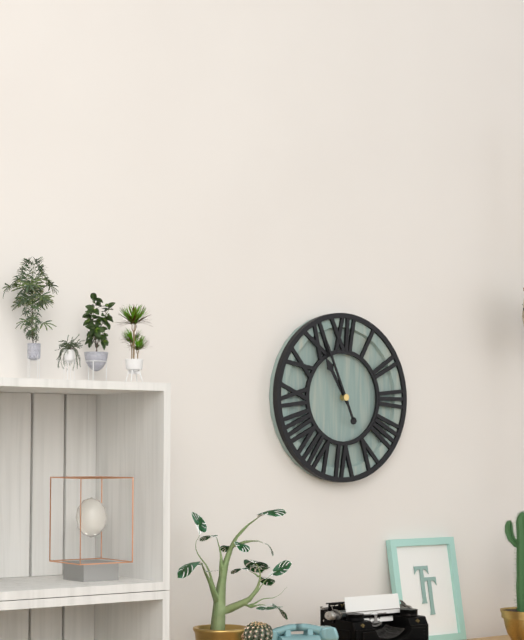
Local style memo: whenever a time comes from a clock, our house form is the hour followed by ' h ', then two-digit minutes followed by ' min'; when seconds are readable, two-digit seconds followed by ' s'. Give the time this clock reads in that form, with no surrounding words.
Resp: 10 h 56 min
